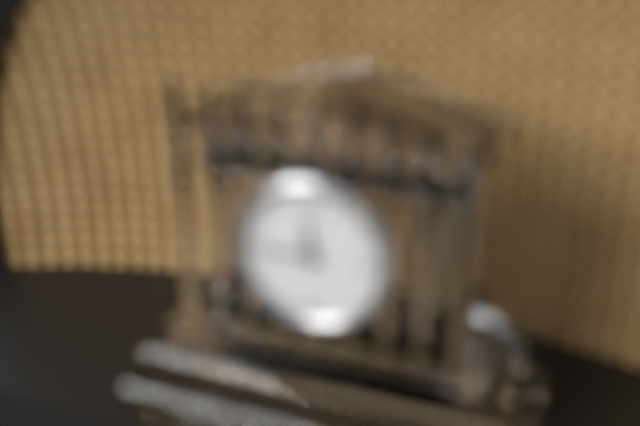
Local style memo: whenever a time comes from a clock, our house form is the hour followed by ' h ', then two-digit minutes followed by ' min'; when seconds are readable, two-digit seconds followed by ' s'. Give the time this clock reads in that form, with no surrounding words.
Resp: 11 h 45 min
